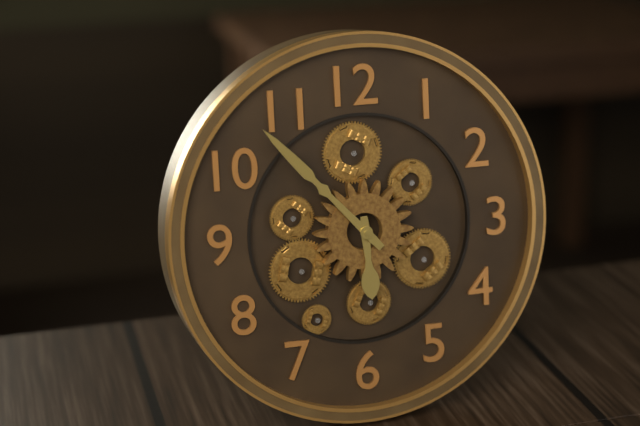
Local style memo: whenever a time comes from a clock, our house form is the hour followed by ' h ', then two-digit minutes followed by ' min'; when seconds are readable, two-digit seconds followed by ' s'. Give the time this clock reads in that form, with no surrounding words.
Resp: 5 h 53 min
